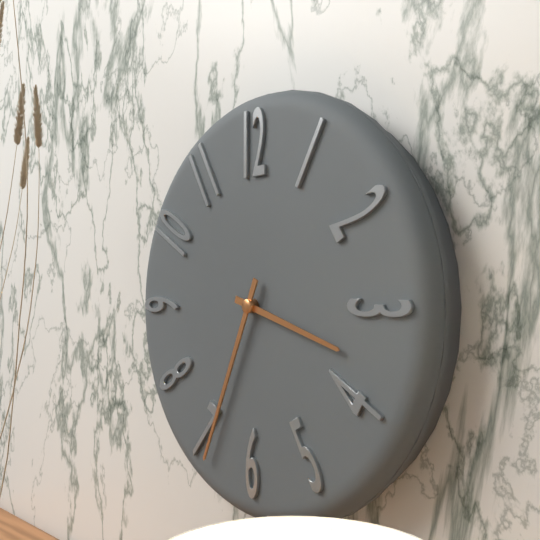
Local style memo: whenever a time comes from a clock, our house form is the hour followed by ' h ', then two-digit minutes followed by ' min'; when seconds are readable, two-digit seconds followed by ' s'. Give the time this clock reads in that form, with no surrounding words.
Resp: 3 h 34 min
